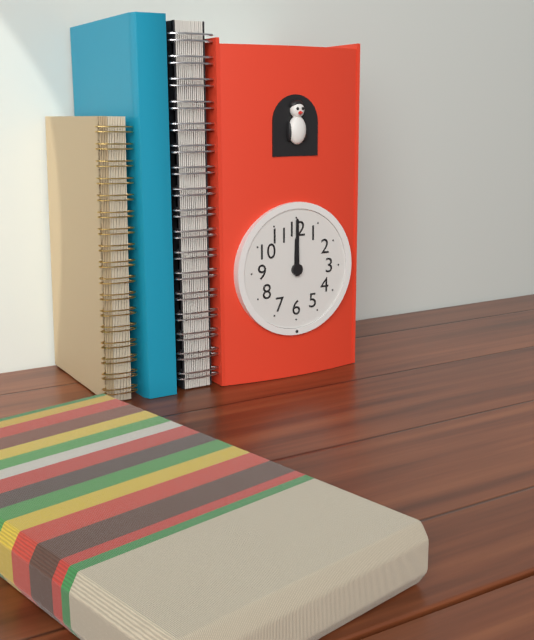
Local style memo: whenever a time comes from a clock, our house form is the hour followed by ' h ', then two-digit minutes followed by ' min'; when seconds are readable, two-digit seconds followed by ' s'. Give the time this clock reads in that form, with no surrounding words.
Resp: 12 h 00 min
